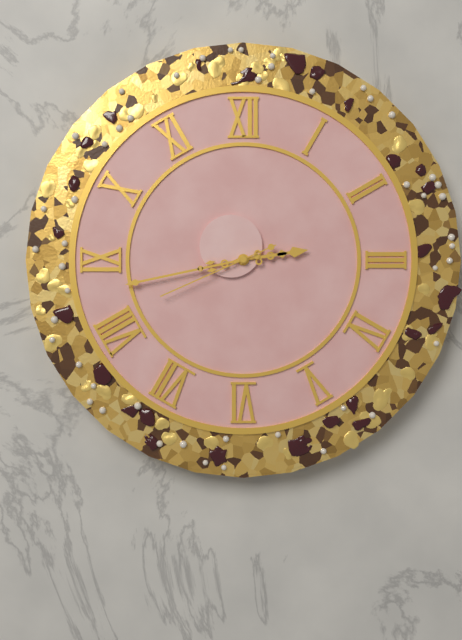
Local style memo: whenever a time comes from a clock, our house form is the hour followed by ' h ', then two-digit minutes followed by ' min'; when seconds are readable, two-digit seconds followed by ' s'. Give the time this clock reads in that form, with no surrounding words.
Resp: 2 h 43 min 41 s
